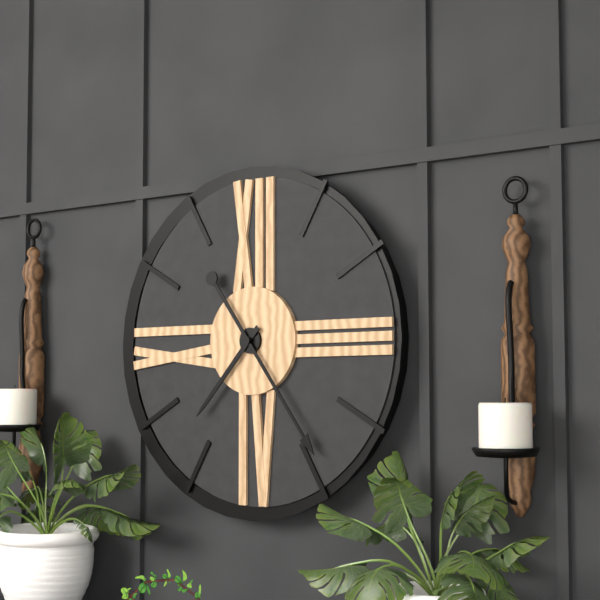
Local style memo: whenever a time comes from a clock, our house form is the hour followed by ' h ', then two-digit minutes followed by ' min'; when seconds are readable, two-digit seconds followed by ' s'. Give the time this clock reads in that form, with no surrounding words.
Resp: 7 h 24 min
